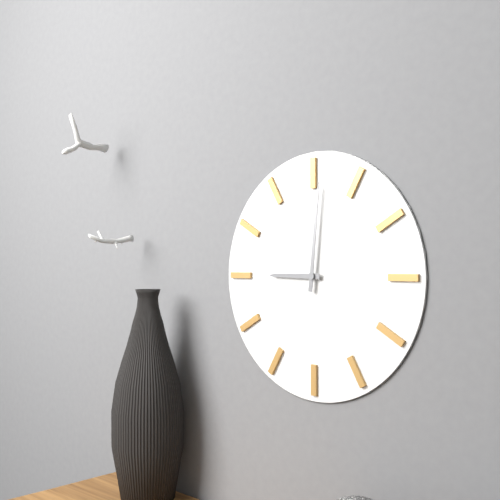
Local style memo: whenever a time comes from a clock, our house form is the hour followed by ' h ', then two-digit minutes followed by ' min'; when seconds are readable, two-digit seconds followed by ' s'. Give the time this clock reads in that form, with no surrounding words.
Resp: 9 h 01 min
